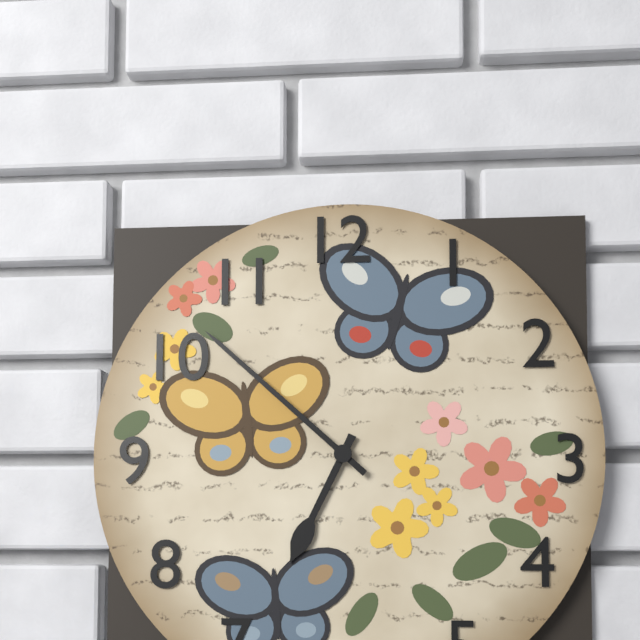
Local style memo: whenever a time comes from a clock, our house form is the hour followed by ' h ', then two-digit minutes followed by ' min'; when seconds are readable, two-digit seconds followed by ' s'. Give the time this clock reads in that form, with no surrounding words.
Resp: 6 h 52 min
